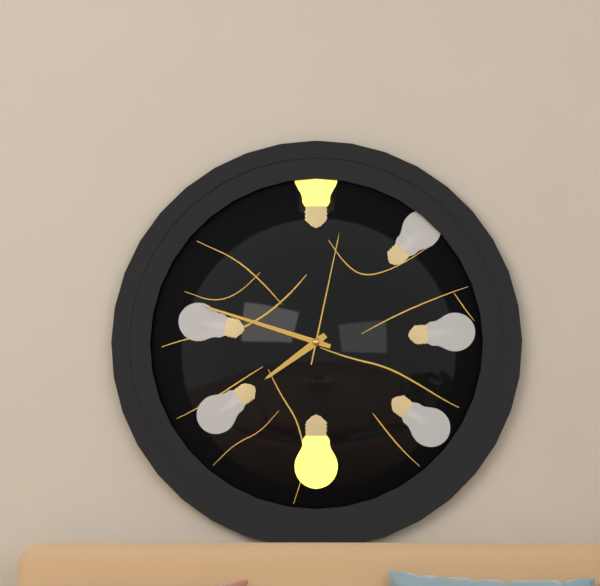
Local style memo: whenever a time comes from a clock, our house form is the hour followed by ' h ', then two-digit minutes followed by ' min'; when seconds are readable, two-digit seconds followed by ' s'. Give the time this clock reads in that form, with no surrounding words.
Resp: 7 h 48 min 02 s
